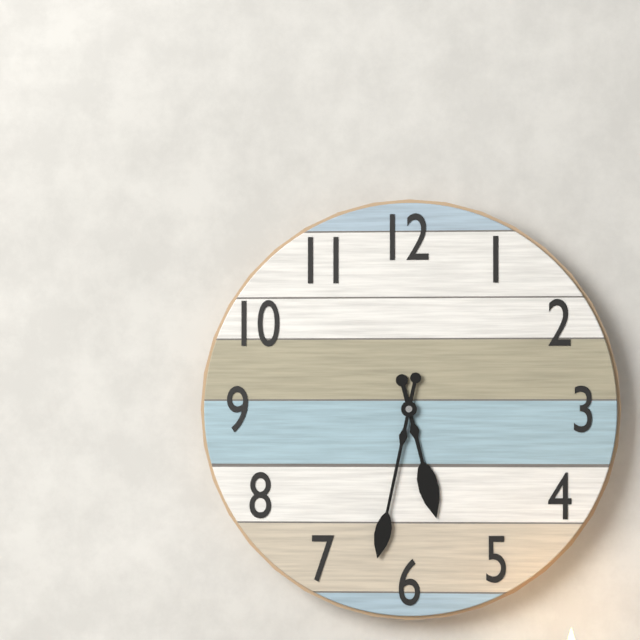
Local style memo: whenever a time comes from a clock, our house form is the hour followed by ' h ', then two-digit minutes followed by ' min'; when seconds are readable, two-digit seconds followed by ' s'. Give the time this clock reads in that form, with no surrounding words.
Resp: 5 h 32 min
